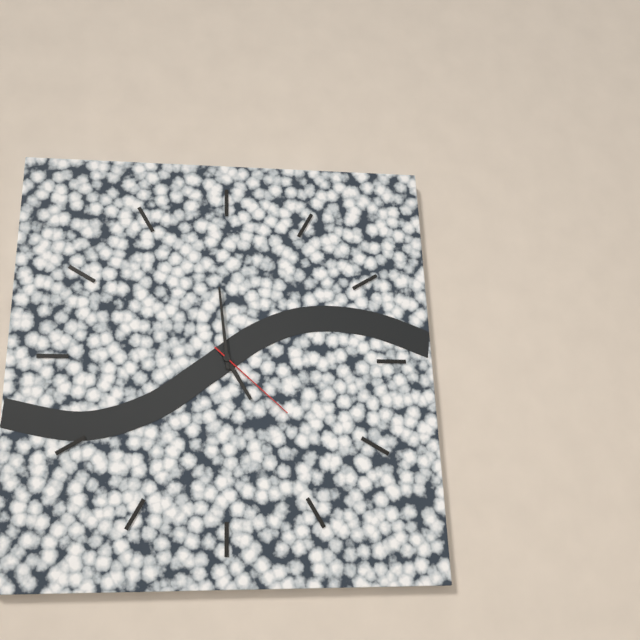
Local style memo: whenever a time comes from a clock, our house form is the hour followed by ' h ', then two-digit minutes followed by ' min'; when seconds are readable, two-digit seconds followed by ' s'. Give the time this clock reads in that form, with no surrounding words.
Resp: 4 h 59 min 22 s
